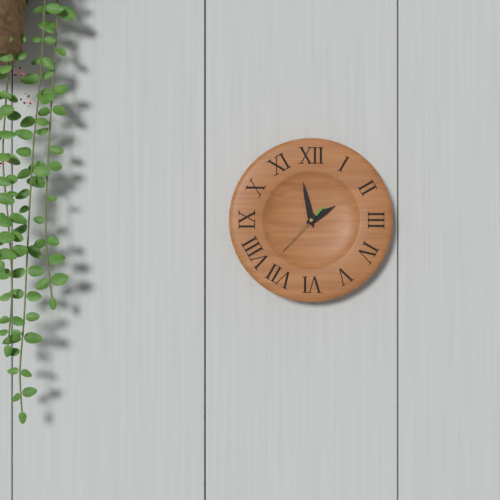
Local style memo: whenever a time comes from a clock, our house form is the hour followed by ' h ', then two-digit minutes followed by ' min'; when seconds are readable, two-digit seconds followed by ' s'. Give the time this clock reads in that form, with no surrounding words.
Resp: 1 h 58 min 37 s
